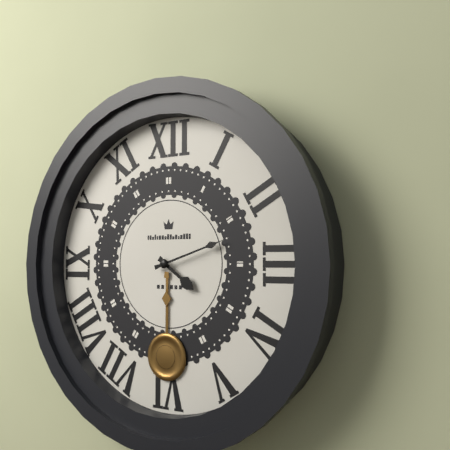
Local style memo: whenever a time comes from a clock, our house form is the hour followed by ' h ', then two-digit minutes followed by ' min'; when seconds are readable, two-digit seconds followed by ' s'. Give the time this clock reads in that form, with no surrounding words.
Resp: 4 h 12 min
